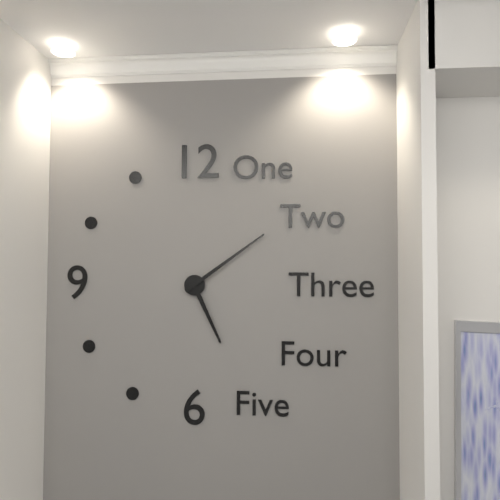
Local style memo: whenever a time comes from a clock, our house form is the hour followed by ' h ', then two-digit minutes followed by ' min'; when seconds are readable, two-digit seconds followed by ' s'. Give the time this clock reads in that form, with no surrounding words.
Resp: 5 h 09 min
